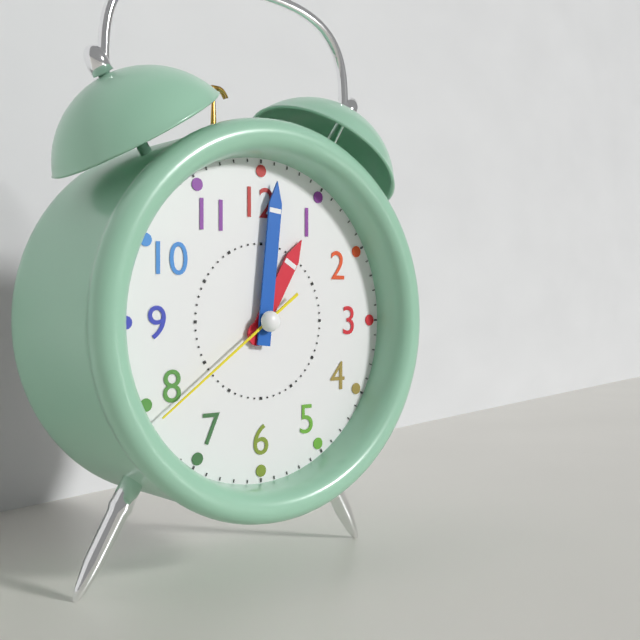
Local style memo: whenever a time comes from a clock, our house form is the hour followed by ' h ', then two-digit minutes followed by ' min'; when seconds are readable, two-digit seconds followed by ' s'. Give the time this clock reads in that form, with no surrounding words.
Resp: 1 h 01 min 39 s
